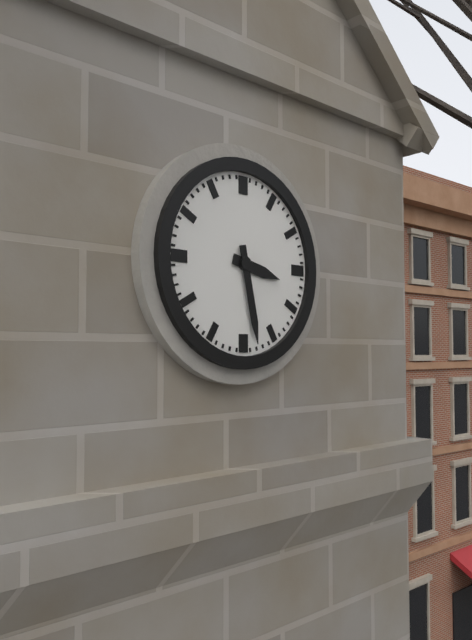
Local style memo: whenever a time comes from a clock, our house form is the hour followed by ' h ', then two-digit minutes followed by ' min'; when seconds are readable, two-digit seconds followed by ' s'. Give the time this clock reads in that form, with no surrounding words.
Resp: 3 h 28 min
